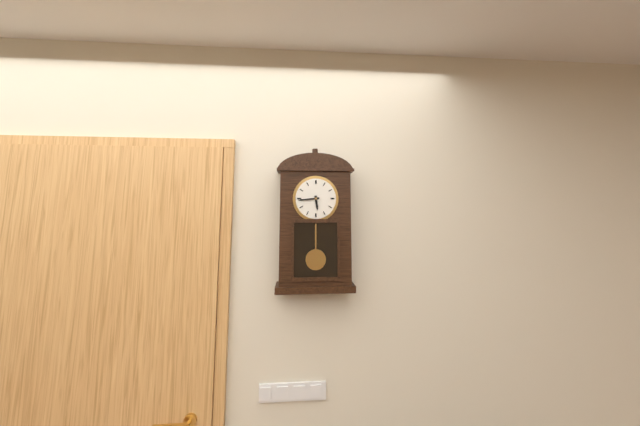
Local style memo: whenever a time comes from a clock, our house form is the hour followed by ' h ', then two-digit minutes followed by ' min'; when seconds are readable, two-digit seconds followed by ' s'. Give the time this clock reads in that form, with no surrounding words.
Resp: 5 h 44 min
